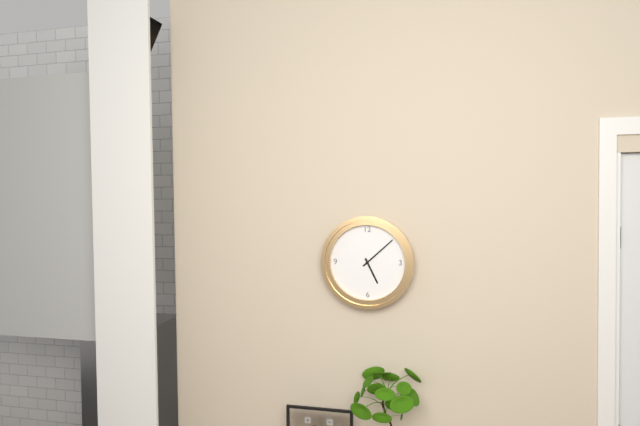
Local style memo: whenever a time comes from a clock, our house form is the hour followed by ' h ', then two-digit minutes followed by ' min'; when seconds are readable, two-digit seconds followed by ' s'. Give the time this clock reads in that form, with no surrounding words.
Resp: 5 h 08 min
